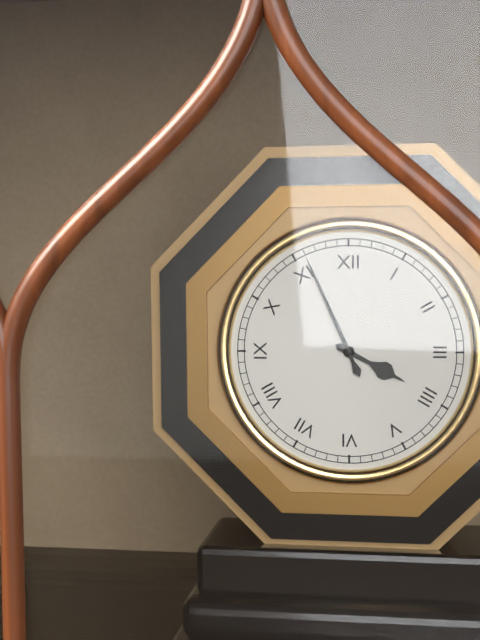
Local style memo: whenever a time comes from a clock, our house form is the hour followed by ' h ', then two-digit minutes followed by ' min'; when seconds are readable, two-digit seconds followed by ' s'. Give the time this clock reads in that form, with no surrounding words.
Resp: 3 h 56 min
